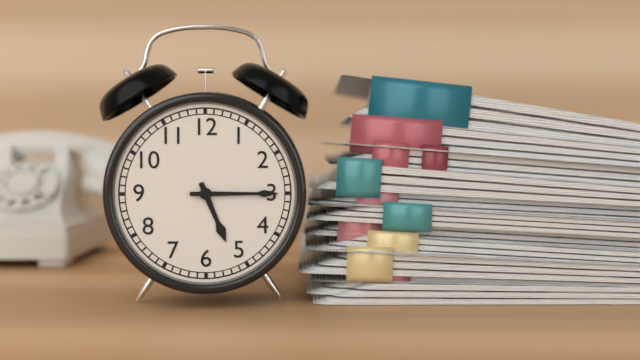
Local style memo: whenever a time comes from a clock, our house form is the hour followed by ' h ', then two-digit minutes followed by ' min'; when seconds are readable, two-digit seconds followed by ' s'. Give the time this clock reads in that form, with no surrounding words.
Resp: 5 h 15 min
